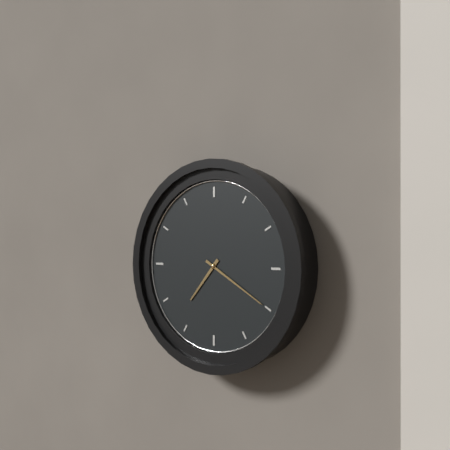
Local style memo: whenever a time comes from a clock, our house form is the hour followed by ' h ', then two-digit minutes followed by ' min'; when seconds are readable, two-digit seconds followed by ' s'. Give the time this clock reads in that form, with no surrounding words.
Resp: 7 h 20 min
